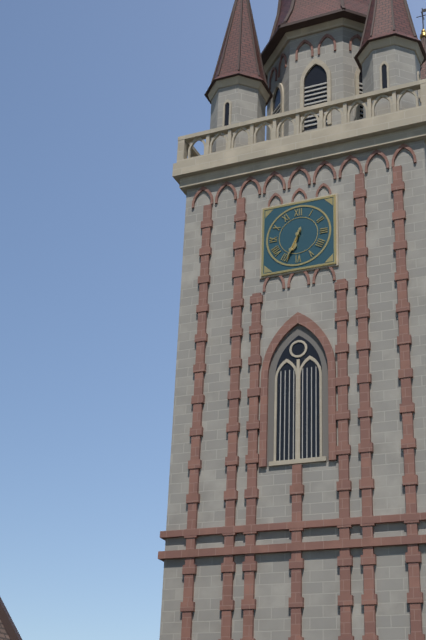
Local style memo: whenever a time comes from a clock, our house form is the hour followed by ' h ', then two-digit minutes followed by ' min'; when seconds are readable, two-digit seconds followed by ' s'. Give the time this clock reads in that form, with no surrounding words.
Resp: 6 h 34 min
